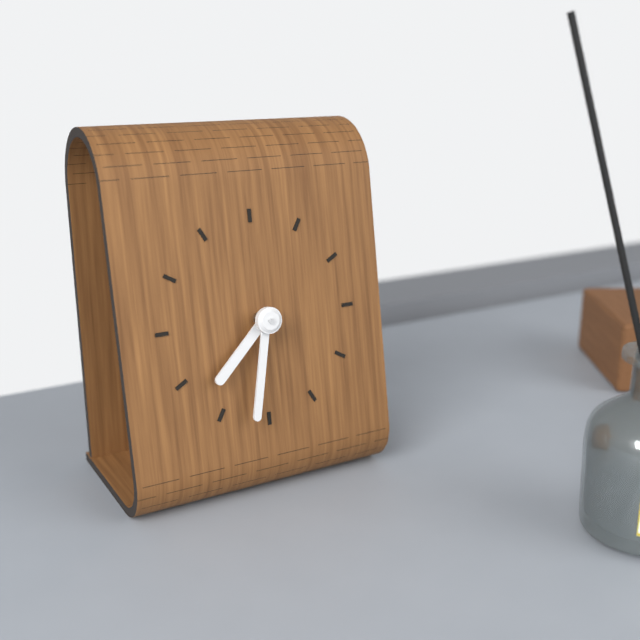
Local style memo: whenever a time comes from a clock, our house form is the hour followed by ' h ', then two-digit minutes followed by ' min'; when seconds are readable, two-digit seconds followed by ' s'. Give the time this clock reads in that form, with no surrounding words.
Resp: 7 h 32 min
